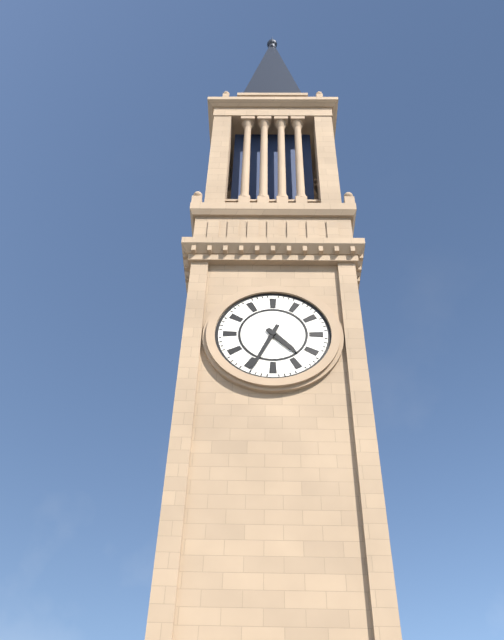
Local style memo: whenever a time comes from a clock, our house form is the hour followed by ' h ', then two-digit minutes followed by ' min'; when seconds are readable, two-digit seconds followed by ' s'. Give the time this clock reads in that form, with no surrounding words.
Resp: 4 h 34 min
